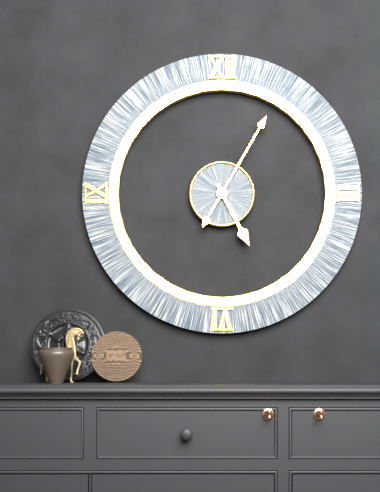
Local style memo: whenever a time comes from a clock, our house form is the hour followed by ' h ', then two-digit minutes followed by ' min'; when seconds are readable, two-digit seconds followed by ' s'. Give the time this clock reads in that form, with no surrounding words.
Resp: 5 h 05 min
